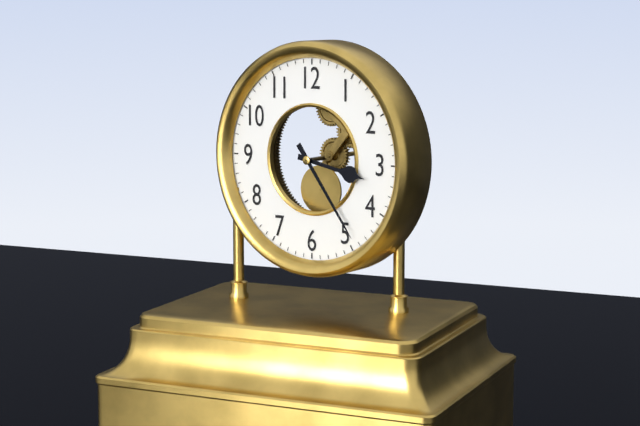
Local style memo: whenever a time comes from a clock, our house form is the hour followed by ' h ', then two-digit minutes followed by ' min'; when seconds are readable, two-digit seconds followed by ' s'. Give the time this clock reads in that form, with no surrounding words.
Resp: 3 h 24 min
